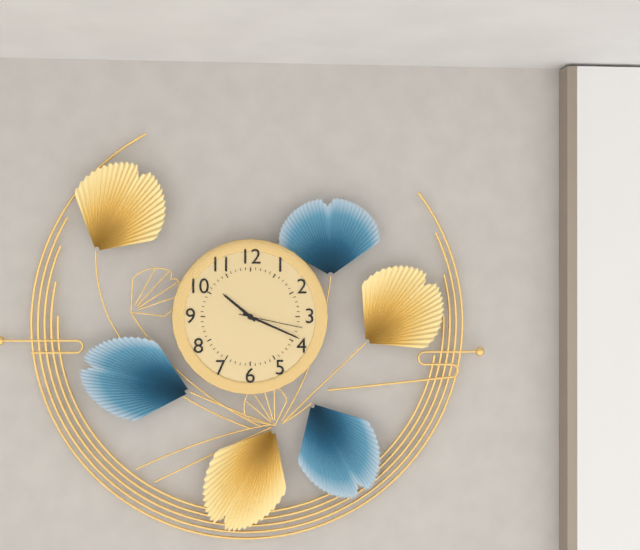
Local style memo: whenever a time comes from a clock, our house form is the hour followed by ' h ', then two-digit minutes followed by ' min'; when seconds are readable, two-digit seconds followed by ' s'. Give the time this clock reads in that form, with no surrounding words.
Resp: 10 h 19 min 17 s
